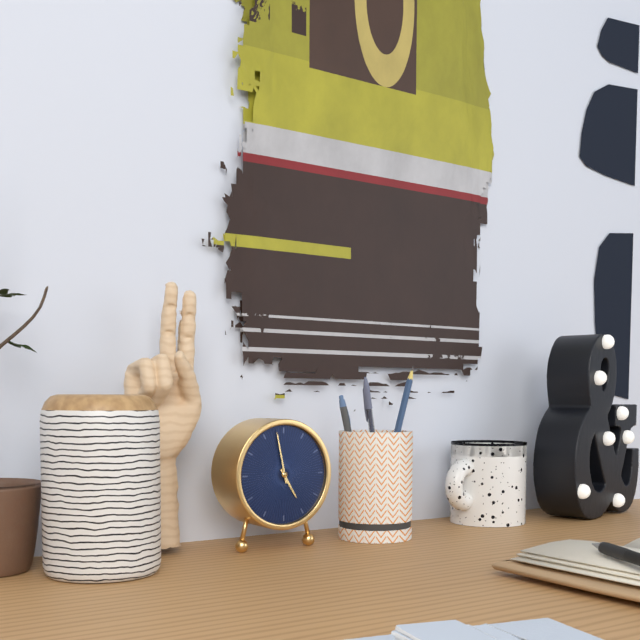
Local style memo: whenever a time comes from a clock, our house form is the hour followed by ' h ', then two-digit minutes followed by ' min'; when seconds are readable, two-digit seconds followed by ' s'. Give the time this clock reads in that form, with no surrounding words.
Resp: 4 h 58 min
